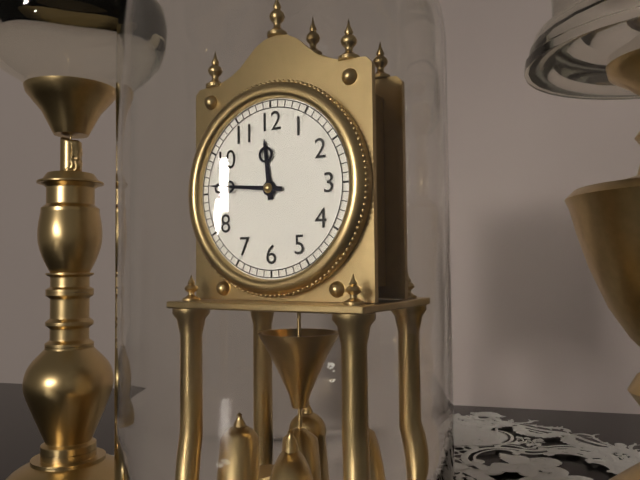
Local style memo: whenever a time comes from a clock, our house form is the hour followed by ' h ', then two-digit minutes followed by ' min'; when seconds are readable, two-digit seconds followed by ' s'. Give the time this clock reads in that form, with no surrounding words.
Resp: 11 h 46 min
